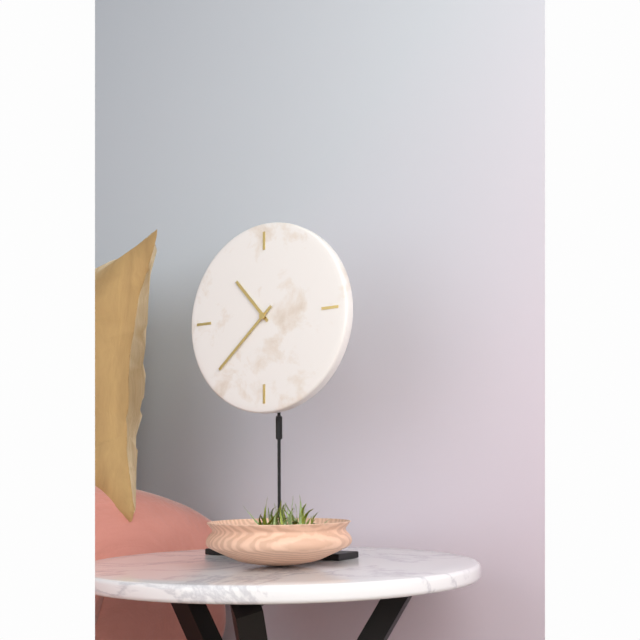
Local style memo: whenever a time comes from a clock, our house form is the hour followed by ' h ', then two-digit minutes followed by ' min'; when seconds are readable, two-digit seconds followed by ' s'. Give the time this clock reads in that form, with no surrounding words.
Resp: 10 h 38 min
